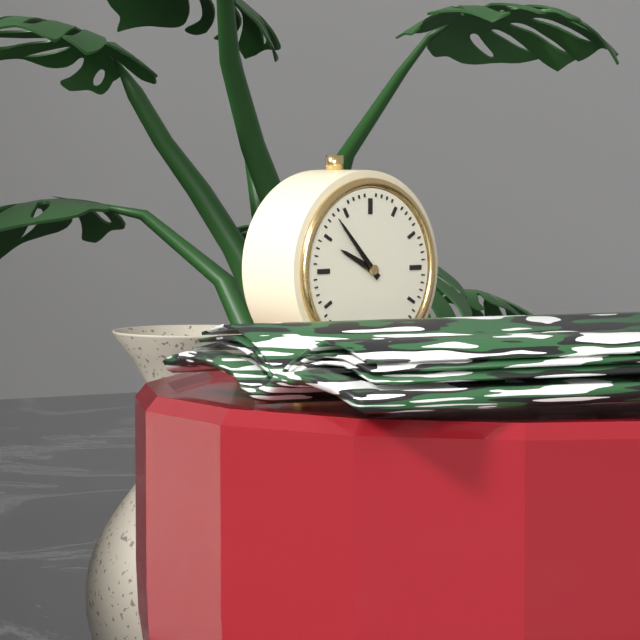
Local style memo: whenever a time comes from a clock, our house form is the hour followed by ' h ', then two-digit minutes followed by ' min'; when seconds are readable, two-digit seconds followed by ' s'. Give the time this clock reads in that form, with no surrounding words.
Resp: 9 h 53 min
